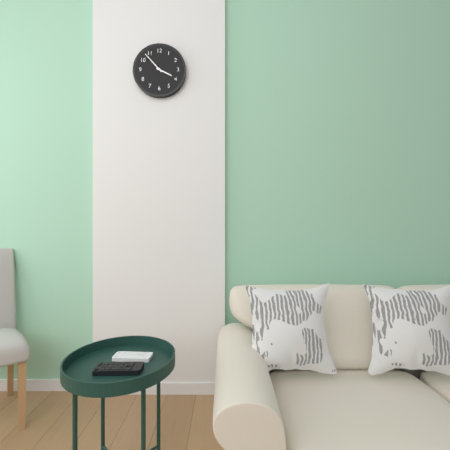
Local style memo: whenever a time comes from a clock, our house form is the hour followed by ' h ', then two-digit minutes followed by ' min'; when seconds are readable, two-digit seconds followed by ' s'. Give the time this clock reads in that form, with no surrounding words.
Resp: 3 h 53 min
